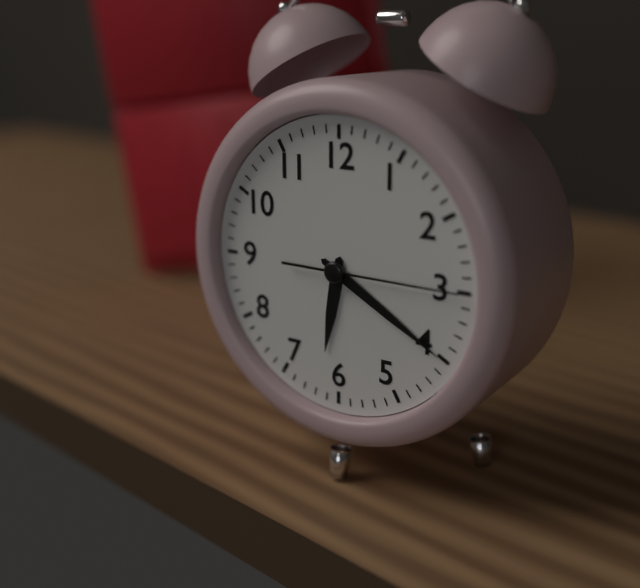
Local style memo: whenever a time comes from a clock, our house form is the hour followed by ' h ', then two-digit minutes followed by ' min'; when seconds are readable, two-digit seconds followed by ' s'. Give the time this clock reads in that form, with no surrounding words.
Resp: 6 h 20 min 15 s
